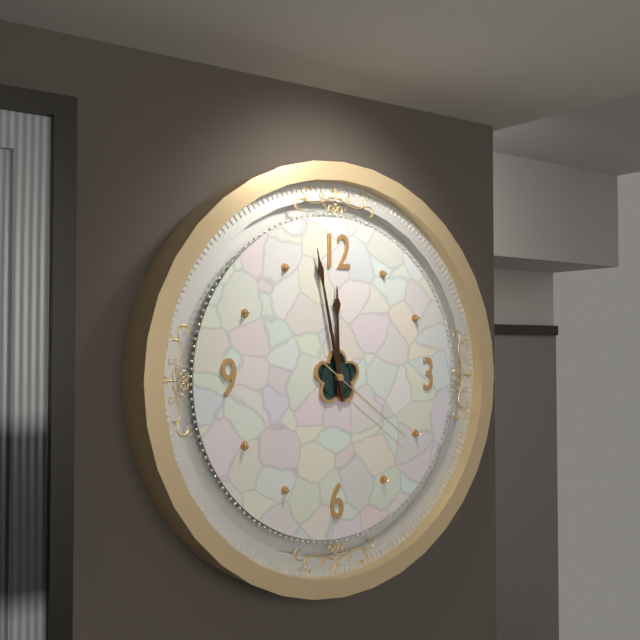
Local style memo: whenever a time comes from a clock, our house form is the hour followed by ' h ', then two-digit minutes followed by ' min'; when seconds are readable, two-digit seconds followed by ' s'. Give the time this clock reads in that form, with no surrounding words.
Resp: 11 h 58 min 21 s
